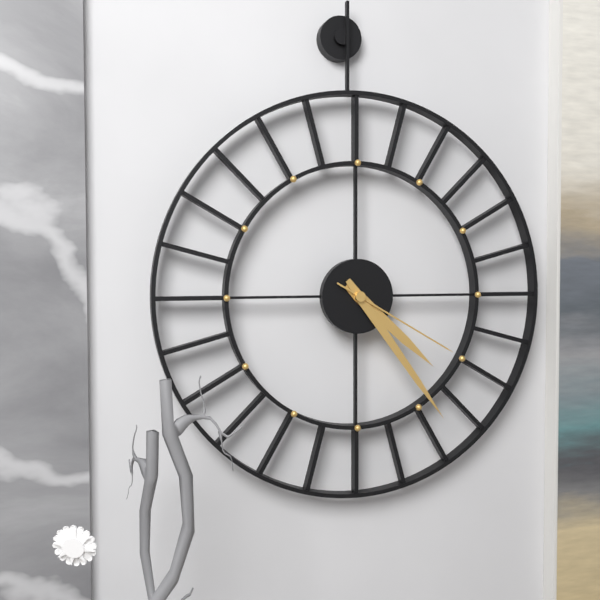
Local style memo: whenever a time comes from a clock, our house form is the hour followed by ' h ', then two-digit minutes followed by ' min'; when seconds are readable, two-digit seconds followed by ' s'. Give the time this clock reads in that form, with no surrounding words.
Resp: 4 h 24 min 20 s
